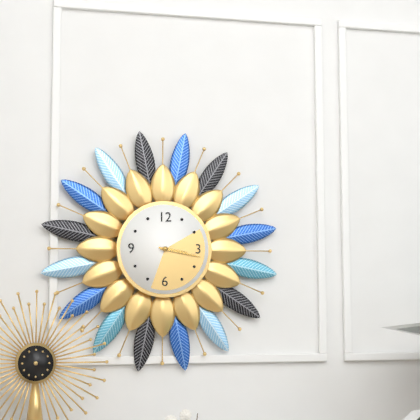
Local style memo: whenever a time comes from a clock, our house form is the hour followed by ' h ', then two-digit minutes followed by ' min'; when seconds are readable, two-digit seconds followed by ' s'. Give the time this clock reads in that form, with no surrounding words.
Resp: 3 h 17 min
